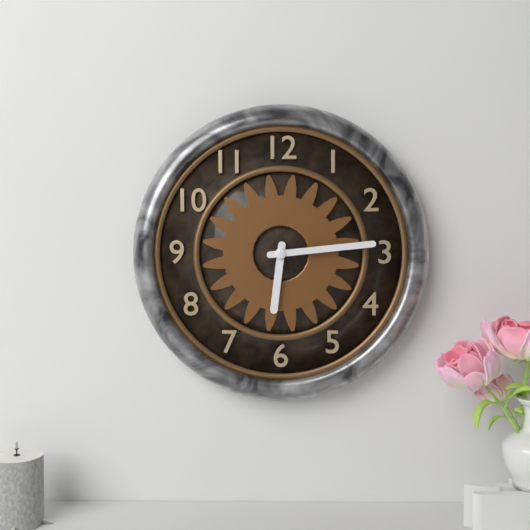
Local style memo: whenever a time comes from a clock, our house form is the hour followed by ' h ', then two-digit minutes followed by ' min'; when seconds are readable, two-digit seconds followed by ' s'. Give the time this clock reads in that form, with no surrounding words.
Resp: 6 h 14 min
